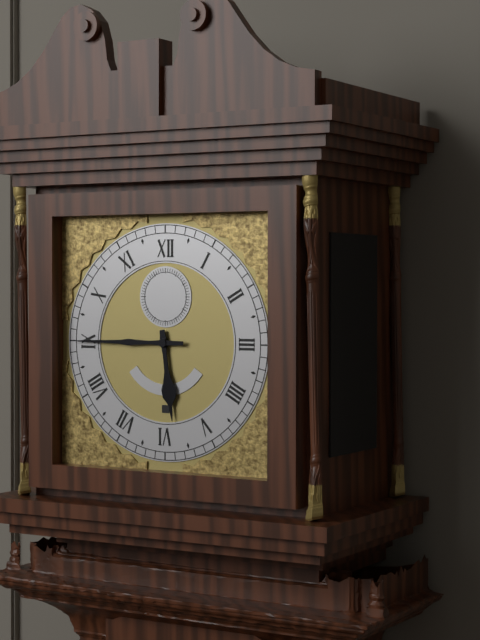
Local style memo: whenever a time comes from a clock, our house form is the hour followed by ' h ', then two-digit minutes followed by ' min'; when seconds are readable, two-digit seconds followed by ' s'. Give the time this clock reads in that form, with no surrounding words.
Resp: 5 h 45 min
